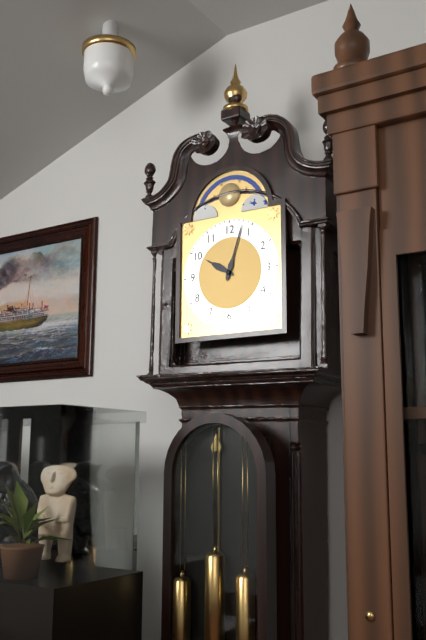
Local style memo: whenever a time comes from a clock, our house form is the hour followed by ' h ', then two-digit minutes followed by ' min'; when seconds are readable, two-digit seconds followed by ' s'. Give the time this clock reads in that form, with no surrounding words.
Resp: 10 h 03 min
